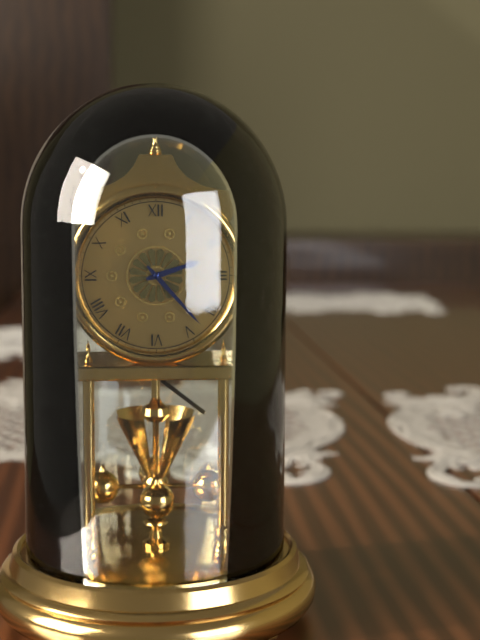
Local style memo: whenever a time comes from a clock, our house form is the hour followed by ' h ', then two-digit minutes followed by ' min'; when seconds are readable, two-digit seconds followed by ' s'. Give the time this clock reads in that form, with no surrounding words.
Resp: 2 h 23 min
